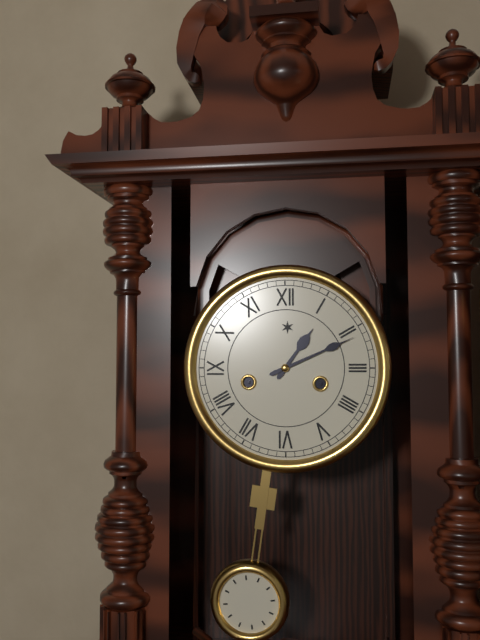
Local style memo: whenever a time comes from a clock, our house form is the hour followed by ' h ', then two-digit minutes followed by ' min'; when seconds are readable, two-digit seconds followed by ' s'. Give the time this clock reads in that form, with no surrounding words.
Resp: 1 h 11 min
